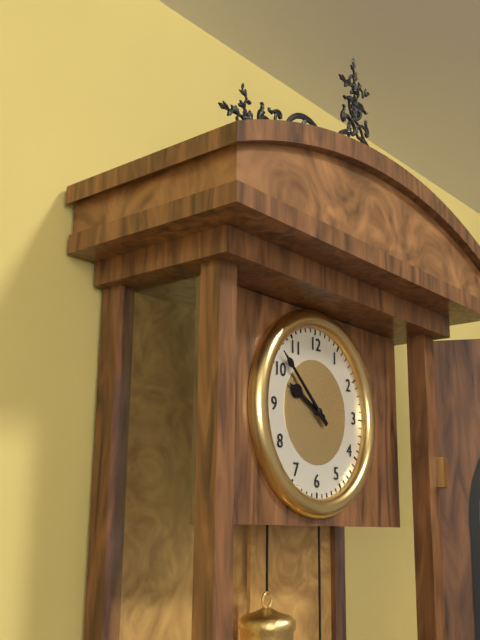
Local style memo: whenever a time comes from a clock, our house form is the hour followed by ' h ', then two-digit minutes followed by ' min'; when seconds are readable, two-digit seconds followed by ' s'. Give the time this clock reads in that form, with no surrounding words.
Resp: 9 h 52 min
